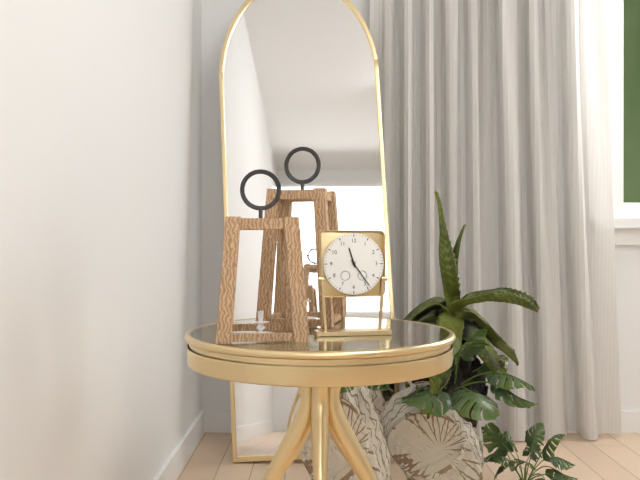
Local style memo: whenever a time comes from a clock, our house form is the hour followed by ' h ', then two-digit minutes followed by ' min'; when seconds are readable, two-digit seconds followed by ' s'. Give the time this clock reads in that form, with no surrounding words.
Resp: 11 h 24 min
